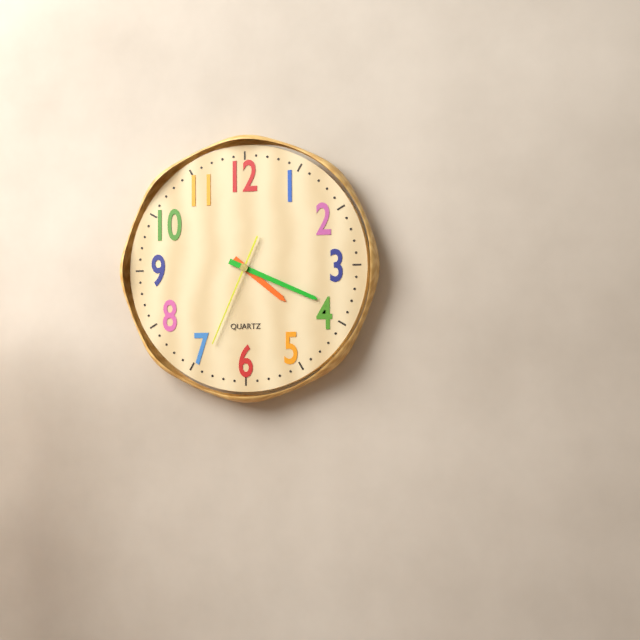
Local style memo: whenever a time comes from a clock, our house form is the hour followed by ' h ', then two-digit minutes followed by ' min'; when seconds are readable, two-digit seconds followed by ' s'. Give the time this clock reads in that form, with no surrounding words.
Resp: 4 h 19 min 34 s
